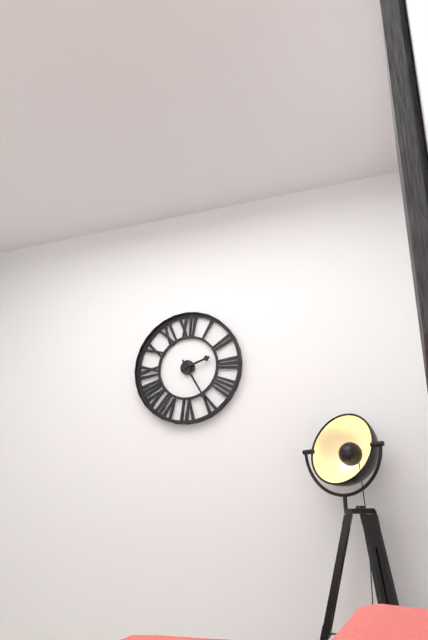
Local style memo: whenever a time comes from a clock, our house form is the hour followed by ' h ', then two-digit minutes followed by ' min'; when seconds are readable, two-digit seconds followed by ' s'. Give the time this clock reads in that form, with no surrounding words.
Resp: 2 h 25 min
